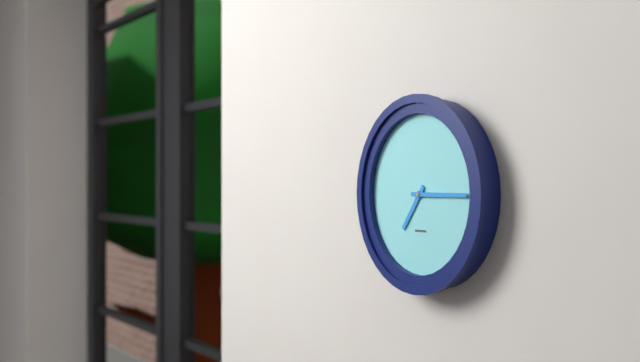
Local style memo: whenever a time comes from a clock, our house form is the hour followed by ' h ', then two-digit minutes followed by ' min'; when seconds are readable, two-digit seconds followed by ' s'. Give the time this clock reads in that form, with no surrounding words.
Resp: 7 h 15 min
